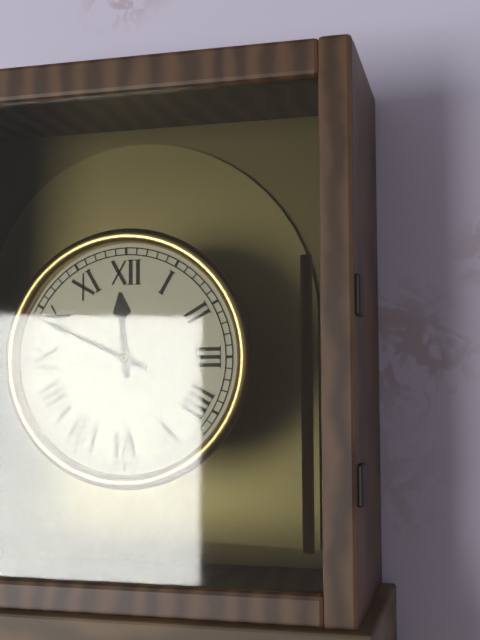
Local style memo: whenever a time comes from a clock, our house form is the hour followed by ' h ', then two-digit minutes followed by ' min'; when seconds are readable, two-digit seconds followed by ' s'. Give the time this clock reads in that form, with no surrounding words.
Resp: 11 h 49 min
